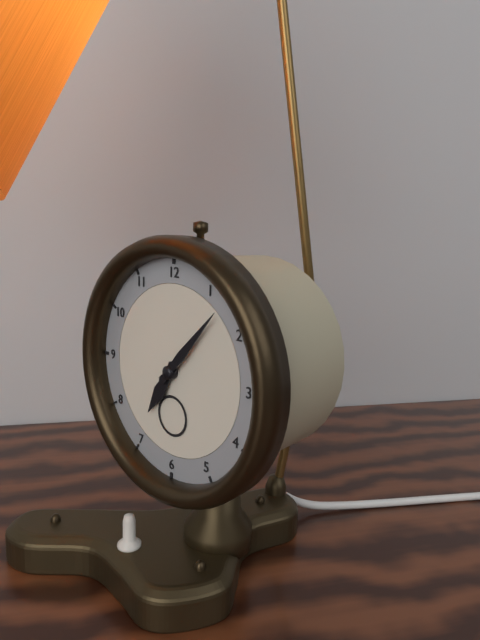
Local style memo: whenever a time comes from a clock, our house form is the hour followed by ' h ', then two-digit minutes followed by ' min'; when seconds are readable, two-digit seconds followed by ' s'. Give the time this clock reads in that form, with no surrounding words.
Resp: 7 h 07 min
